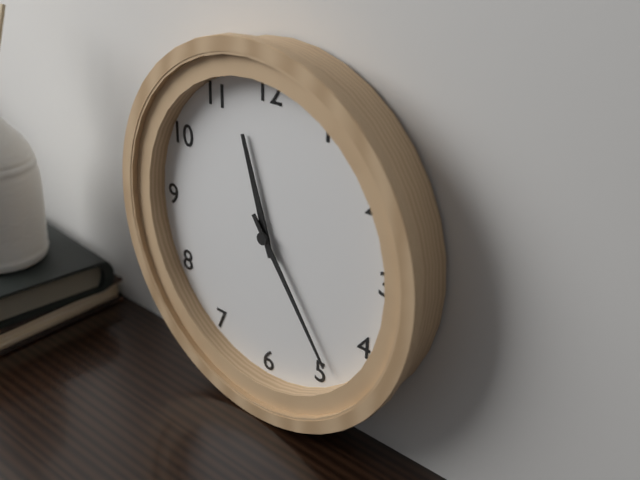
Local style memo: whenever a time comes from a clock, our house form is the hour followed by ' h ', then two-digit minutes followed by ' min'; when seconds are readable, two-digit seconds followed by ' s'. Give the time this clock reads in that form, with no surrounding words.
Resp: 11 h 24 min
